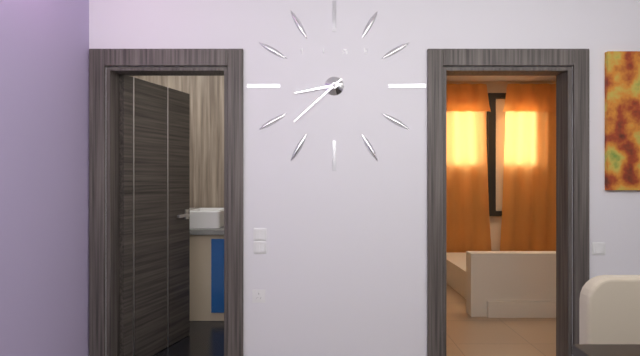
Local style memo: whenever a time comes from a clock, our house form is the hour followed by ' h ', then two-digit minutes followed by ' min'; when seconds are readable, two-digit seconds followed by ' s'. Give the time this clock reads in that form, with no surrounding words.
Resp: 8 h 38 min
